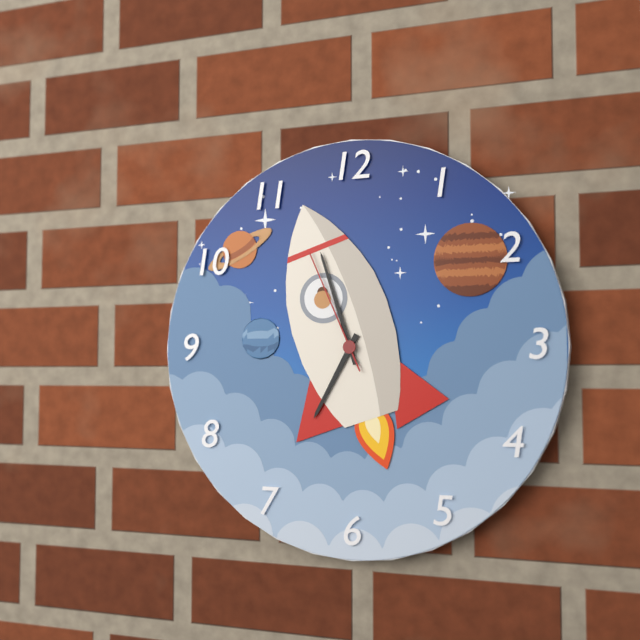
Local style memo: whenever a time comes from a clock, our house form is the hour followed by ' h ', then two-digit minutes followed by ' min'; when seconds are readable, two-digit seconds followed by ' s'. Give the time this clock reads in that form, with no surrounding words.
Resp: 6 h 57 min 56 s
